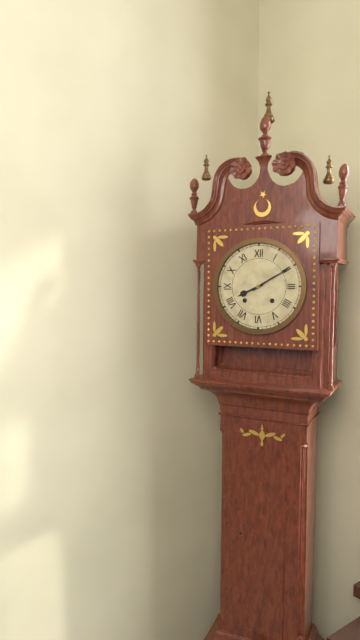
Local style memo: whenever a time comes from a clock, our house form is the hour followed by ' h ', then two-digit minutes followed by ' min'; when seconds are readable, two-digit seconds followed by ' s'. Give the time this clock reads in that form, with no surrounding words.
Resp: 8 h 10 min
